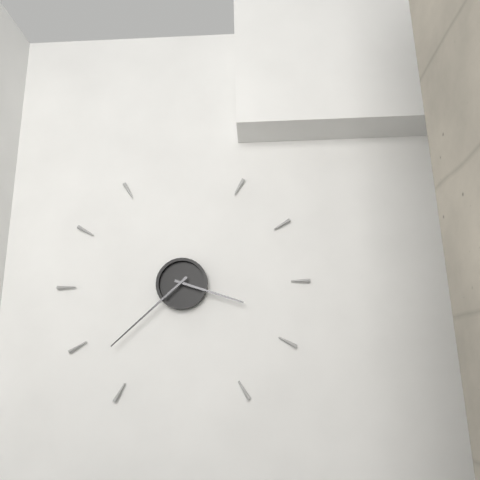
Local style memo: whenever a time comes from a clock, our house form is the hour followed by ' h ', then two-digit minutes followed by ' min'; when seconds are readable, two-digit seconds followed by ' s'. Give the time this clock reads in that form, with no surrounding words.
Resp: 3 h 38 min
